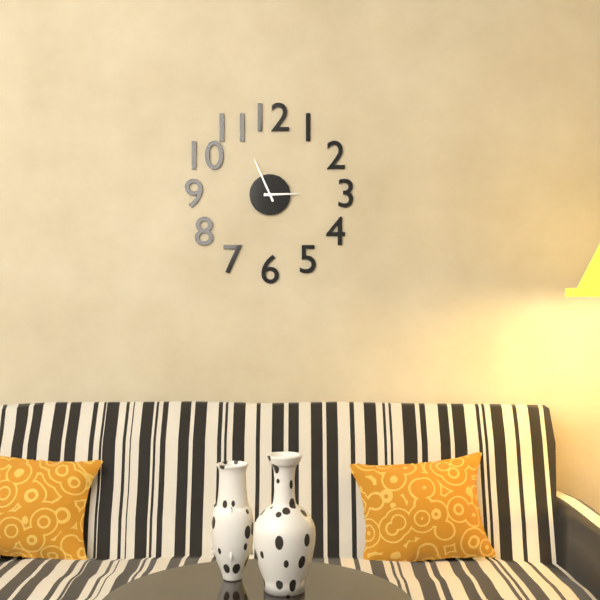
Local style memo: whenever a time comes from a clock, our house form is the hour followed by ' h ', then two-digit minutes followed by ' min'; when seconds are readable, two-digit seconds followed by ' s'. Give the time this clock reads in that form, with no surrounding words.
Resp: 2 h 56 min
